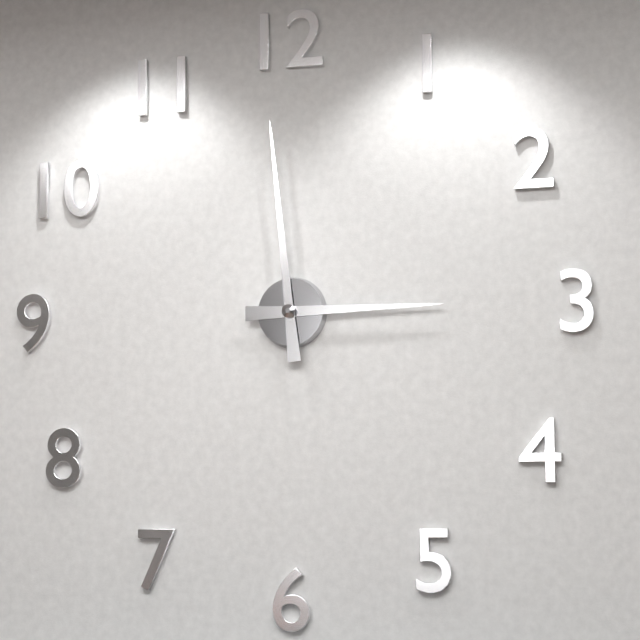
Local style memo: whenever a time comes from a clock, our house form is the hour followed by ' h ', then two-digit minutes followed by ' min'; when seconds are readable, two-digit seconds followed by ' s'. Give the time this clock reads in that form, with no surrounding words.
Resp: 2 h 59 min
